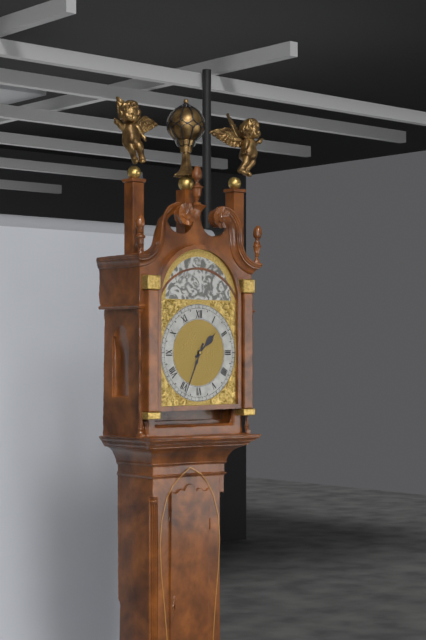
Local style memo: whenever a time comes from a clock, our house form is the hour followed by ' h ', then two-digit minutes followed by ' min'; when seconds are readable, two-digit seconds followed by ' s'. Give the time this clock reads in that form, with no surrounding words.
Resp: 1 h 34 min
